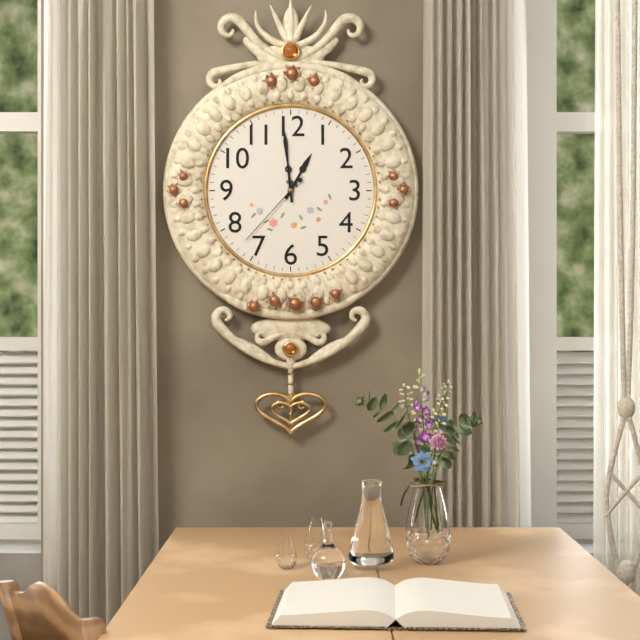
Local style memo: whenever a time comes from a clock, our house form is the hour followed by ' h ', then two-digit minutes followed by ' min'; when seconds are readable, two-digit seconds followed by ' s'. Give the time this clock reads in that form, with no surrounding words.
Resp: 12 h 59 min 37 s
